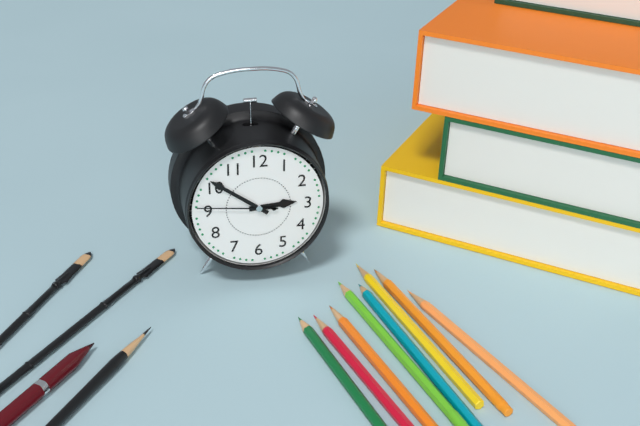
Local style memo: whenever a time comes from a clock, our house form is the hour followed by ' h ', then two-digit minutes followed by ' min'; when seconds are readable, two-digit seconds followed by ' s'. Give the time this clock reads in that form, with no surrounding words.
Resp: 2 h 51 min 46 s
